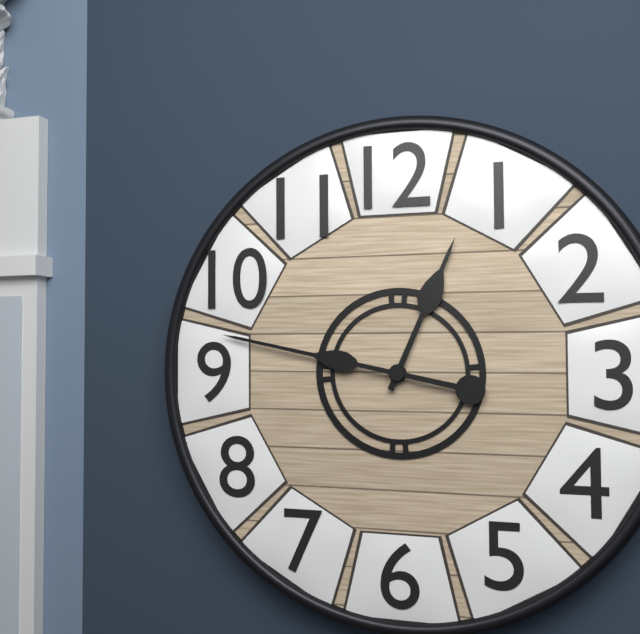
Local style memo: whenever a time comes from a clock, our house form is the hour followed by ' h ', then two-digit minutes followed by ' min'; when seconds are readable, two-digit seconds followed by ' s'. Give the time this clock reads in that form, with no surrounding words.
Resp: 12 h 47 min
